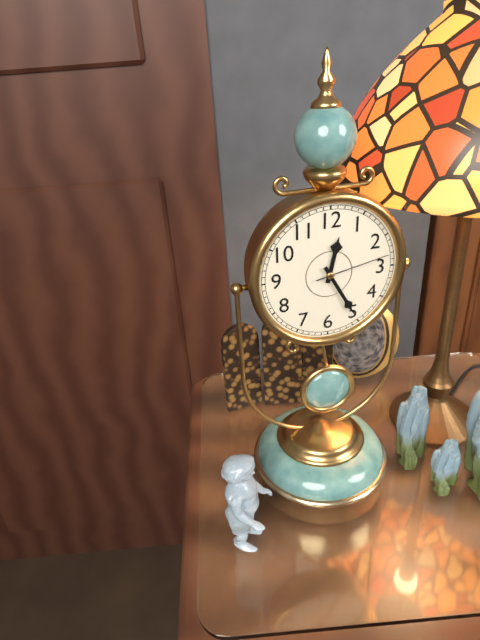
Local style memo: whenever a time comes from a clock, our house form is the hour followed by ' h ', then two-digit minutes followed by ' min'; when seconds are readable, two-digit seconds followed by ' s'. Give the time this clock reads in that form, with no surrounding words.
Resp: 12 h 25 min 13 s
